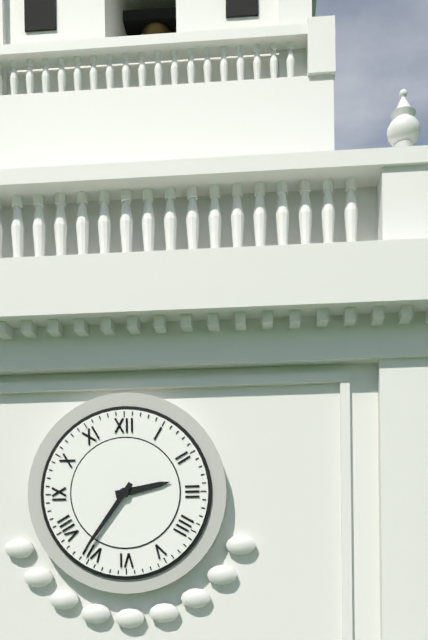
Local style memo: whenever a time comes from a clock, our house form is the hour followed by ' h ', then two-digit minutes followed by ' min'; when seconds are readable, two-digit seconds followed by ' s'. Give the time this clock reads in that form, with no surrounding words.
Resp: 2 h 36 min
